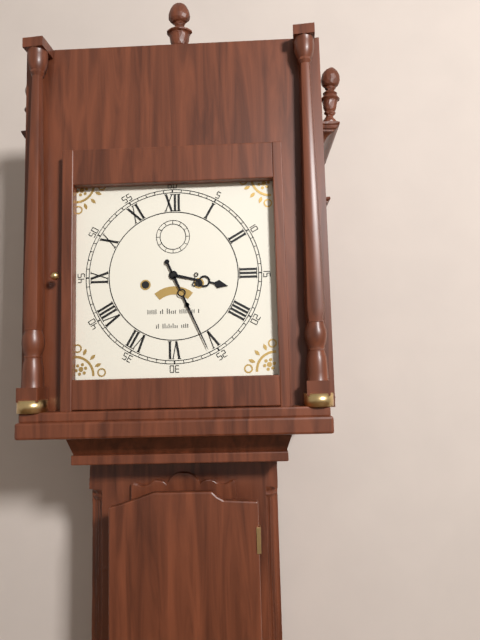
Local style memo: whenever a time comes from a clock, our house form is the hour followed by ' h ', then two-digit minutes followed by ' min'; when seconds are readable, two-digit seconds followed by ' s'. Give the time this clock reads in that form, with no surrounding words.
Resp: 3 h 26 min
